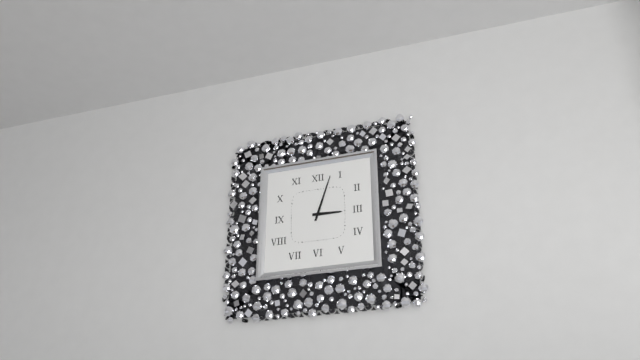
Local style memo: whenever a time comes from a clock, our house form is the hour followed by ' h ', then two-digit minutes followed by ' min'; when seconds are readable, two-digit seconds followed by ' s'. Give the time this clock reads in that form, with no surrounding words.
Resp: 3 h 03 min
